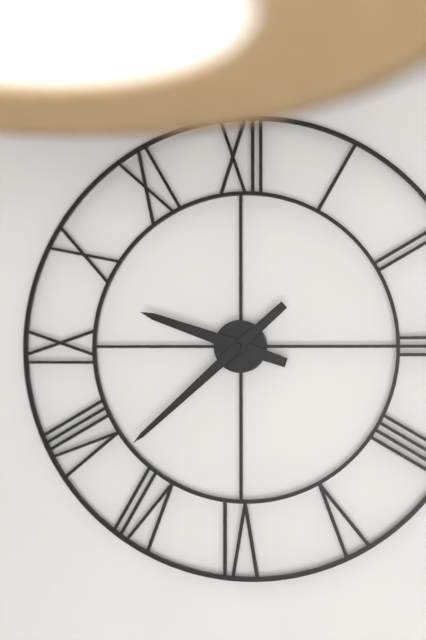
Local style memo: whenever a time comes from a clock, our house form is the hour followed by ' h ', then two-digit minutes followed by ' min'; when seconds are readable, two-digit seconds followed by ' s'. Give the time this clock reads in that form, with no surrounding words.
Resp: 9 h 38 min
